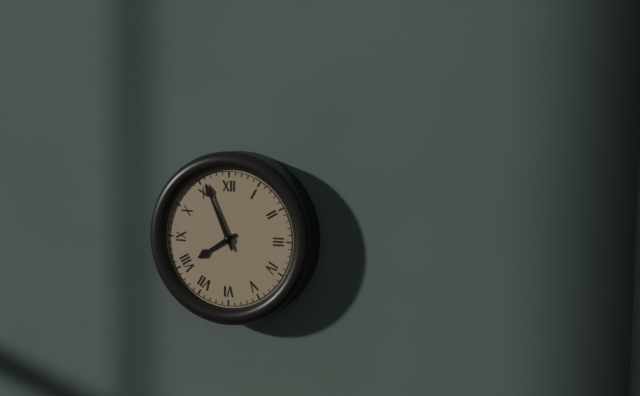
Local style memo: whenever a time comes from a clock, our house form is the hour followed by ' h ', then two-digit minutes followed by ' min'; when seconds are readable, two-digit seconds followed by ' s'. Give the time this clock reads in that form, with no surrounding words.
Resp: 7 h 56 min
